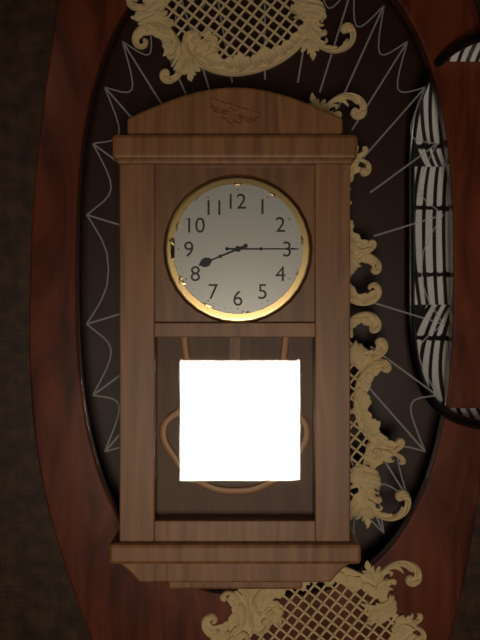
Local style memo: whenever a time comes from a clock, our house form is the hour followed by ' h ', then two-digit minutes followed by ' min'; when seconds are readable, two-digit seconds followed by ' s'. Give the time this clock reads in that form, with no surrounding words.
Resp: 8 h 15 min
